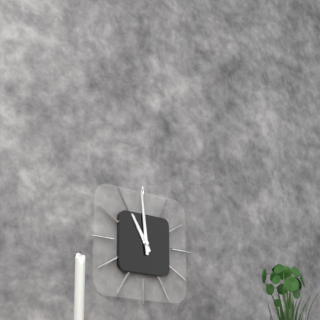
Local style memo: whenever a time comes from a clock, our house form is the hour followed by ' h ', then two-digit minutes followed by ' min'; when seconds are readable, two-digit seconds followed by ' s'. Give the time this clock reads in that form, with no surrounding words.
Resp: 10 h 59 min
